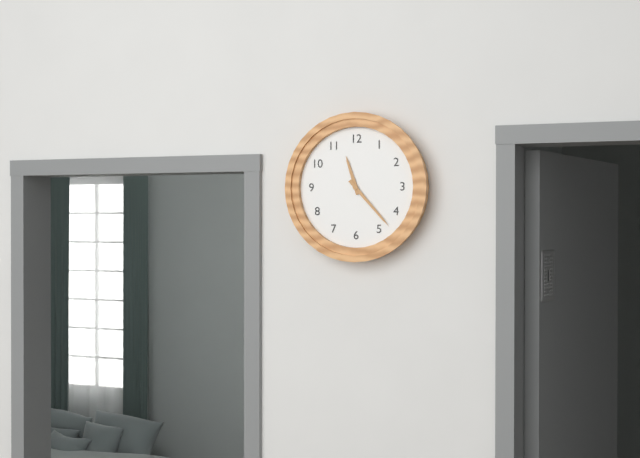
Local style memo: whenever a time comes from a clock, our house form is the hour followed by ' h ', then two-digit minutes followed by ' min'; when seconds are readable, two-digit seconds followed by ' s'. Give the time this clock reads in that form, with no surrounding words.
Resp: 11 h 23 min
